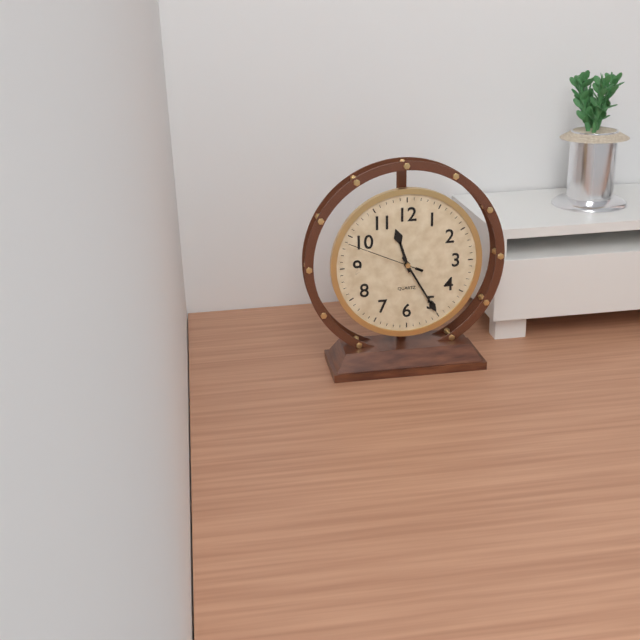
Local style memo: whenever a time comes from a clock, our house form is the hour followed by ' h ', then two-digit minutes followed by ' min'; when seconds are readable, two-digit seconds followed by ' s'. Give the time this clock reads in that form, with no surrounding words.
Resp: 11 h 25 min 49 s
